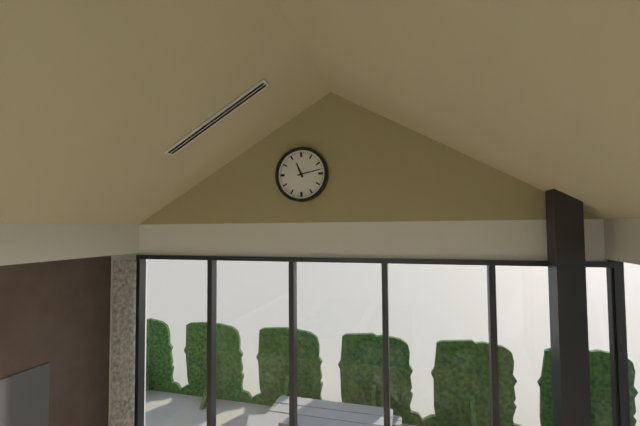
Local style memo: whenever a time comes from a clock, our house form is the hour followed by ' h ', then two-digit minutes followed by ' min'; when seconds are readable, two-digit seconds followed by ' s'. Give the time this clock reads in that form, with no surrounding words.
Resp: 11 h 13 min
